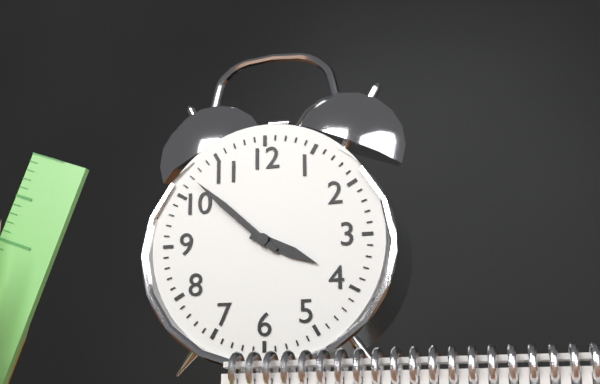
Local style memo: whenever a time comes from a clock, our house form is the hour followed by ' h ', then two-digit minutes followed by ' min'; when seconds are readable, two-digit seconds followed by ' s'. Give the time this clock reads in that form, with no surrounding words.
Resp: 3 h 52 min
